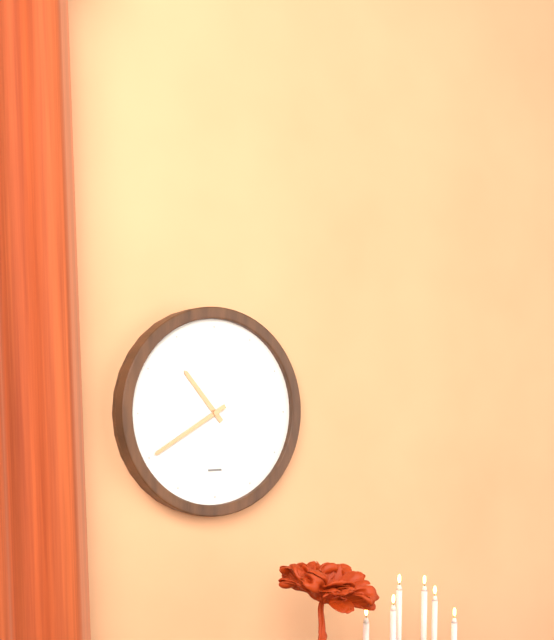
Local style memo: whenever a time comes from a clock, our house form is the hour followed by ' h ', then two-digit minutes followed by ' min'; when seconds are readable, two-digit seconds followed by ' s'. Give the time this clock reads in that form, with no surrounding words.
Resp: 10 h 40 min
